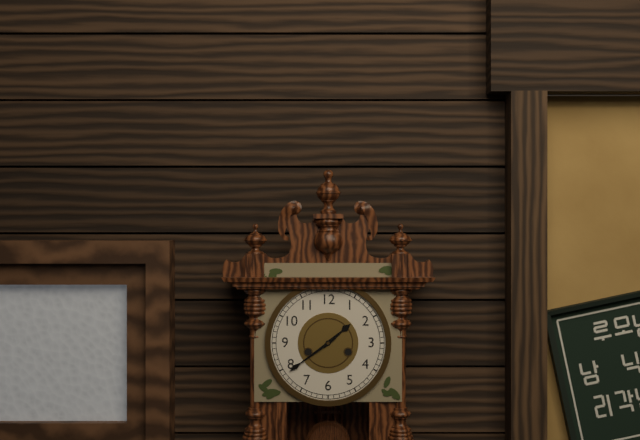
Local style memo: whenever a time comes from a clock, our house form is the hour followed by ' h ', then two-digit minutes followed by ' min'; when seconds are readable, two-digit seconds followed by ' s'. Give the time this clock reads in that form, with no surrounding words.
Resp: 1 h 39 min
